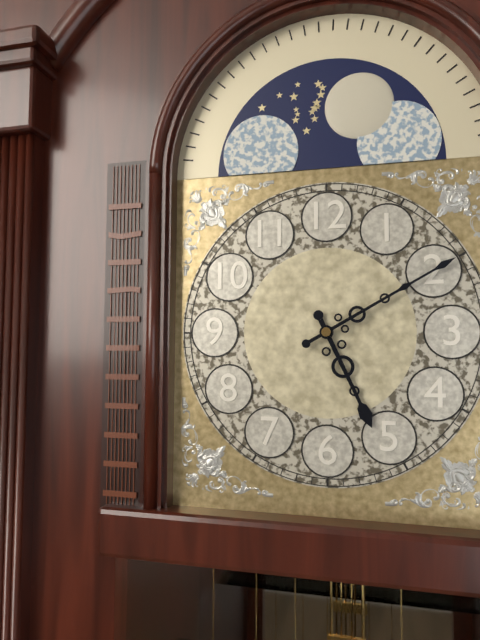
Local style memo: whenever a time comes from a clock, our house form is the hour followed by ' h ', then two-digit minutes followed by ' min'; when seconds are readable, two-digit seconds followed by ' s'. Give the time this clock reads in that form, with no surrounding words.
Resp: 5 h 10 min
